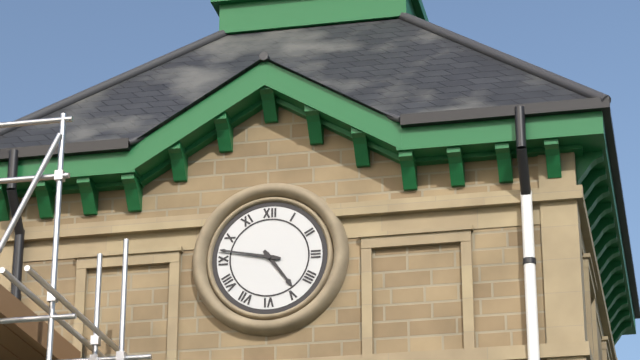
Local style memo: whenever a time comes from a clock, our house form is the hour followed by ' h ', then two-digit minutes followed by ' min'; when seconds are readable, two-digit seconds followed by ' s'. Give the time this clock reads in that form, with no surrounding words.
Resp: 4 h 47 min
